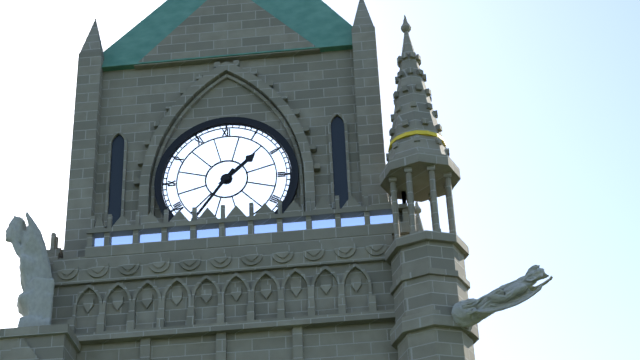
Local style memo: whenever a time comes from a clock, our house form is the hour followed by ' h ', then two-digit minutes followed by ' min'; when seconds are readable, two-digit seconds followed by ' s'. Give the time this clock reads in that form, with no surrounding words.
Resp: 1 h 36 min
